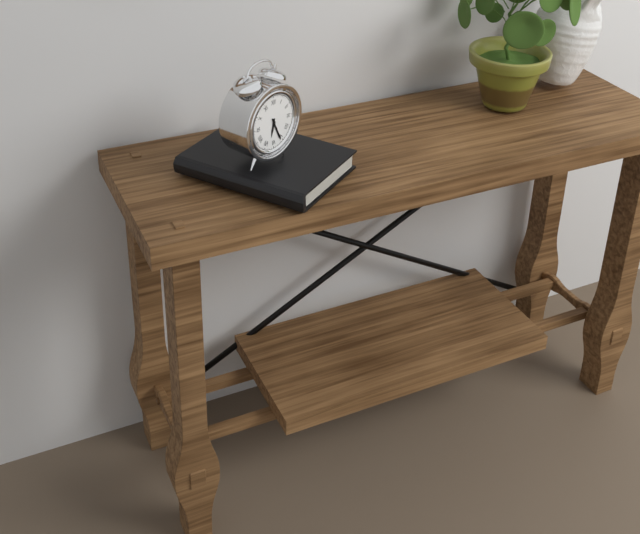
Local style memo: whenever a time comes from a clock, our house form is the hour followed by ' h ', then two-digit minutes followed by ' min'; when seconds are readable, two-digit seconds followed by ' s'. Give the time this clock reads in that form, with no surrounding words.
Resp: 6 h 26 min
